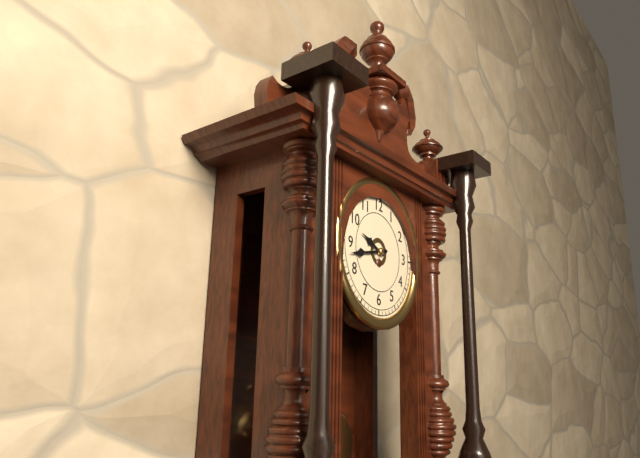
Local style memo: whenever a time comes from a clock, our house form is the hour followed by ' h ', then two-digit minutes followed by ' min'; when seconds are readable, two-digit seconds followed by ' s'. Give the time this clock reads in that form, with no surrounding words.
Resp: 9 h 43 min
